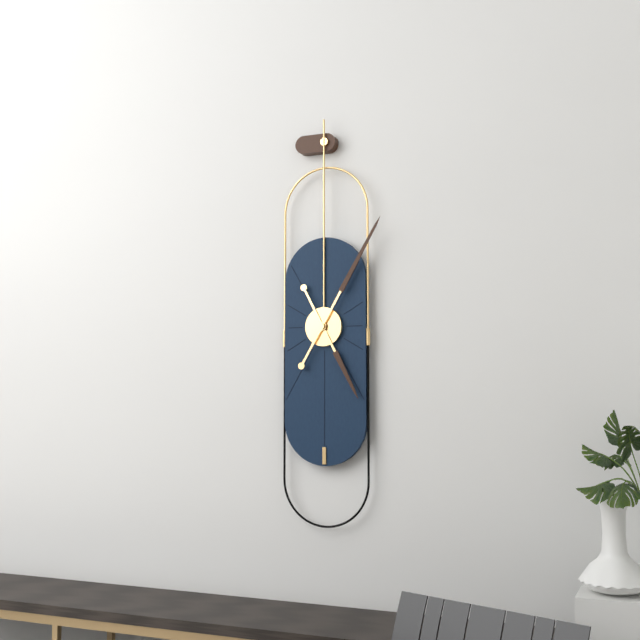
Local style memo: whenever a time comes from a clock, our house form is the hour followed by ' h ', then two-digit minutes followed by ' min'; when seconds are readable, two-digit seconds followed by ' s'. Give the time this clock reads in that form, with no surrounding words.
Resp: 5 h 05 min
